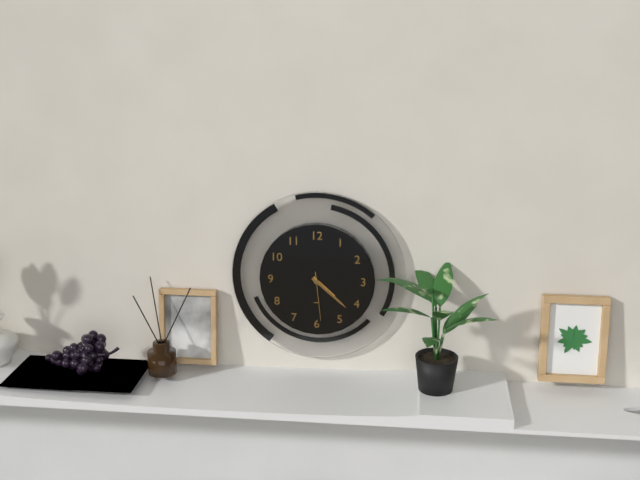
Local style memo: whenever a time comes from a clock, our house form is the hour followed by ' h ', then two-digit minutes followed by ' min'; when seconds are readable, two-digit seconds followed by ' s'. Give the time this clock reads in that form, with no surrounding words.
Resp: 4 h 22 min 29 s
